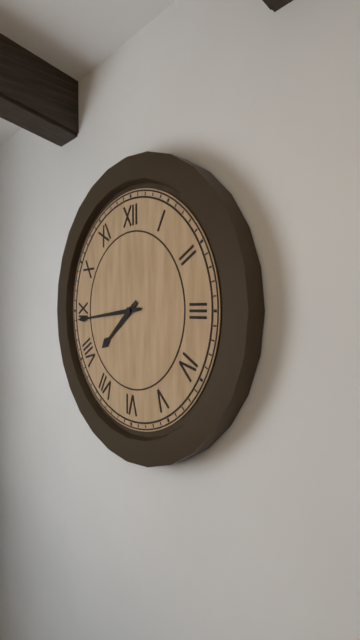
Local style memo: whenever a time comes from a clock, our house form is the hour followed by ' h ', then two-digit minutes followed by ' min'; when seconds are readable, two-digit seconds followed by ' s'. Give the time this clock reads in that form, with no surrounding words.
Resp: 7 h 44 min
